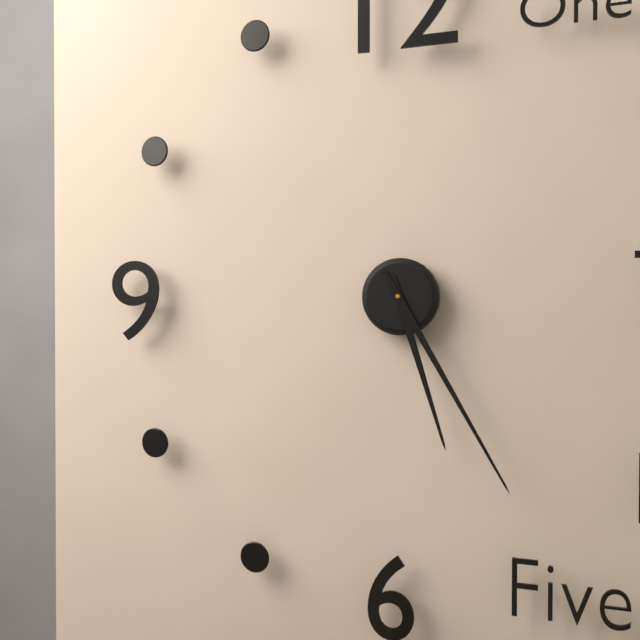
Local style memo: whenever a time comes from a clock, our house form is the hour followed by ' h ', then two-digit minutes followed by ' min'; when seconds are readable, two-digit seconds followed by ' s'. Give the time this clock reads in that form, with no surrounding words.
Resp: 5 h 25 min
